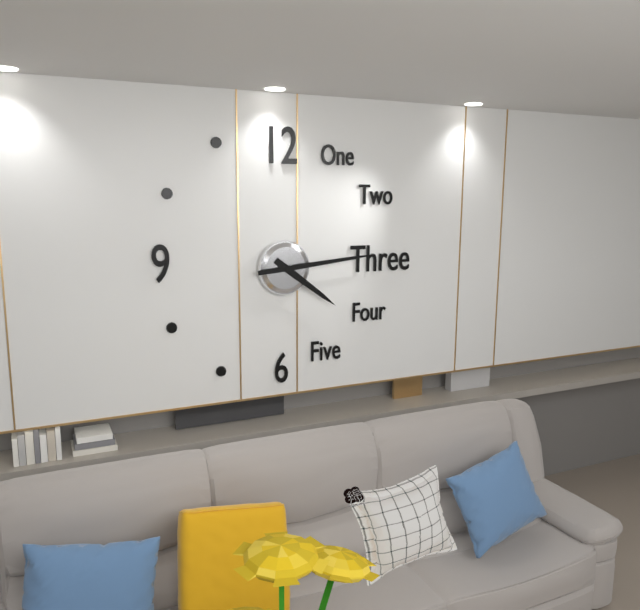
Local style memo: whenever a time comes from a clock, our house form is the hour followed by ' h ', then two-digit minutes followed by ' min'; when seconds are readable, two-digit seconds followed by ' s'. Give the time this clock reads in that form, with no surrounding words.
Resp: 4 h 14 min
